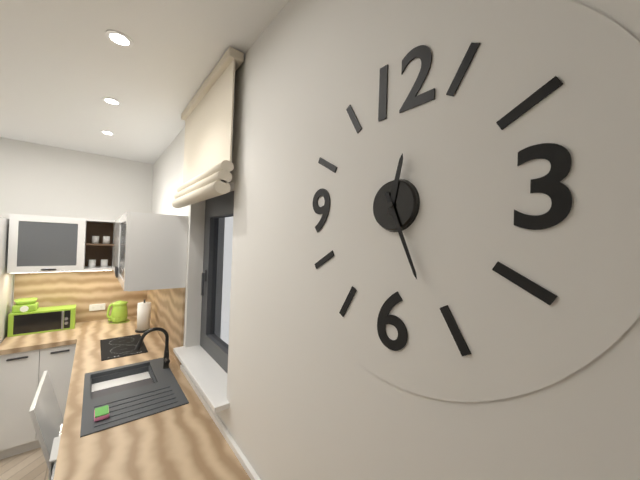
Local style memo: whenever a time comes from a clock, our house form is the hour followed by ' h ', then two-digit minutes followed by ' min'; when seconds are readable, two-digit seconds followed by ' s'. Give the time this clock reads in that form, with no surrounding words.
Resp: 12 h 26 min
